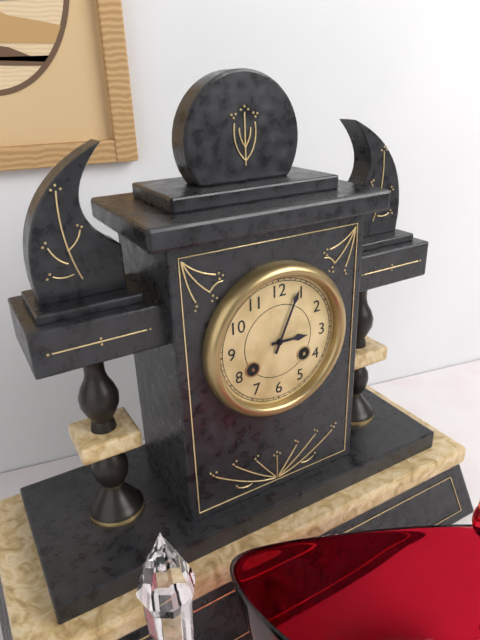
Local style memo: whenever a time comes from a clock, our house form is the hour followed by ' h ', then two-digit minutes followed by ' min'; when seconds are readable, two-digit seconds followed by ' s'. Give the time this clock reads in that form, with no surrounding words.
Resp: 3 h 04 min
